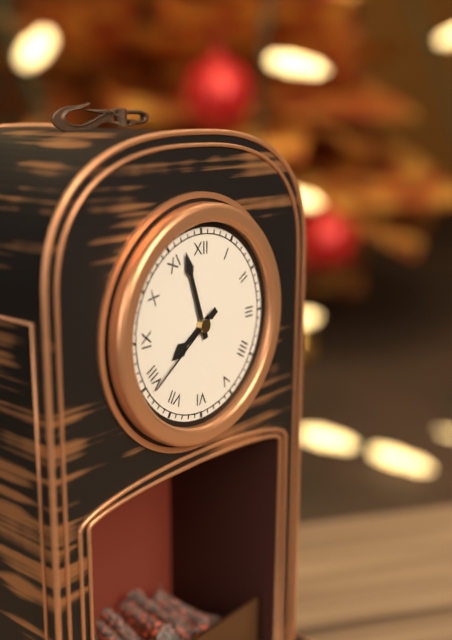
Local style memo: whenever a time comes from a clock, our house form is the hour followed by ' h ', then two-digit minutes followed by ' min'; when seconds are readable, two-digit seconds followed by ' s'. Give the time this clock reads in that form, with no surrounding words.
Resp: 7 h 57 min 39 s
